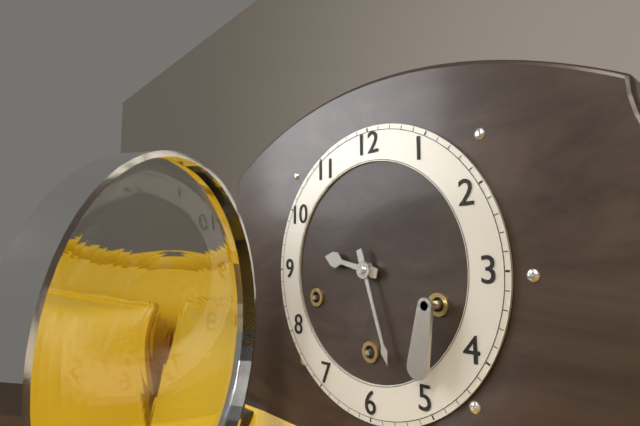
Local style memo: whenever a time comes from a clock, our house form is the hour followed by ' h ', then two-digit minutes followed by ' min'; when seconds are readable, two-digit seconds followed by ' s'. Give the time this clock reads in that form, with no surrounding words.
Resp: 9 h 27 min
